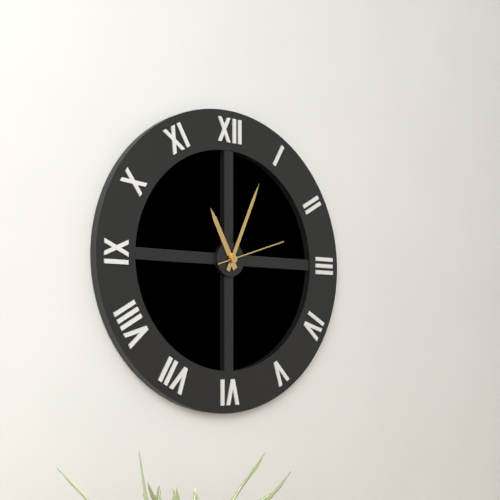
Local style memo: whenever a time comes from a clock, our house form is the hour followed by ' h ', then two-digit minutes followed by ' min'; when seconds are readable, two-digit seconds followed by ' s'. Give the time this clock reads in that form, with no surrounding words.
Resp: 11 h 04 min 12 s
